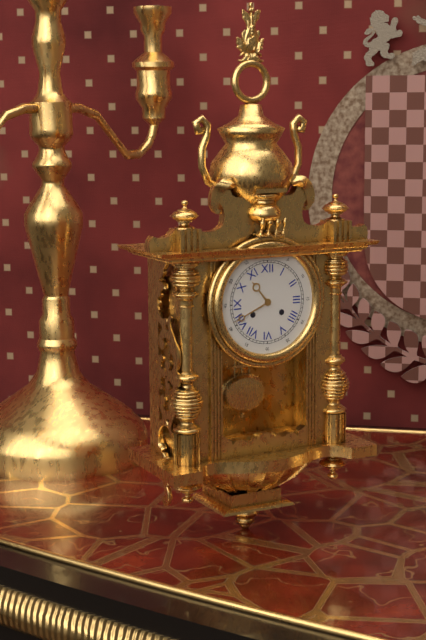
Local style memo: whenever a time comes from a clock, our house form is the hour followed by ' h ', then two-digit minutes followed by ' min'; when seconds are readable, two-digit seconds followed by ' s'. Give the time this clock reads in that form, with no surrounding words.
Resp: 10 h 41 min
